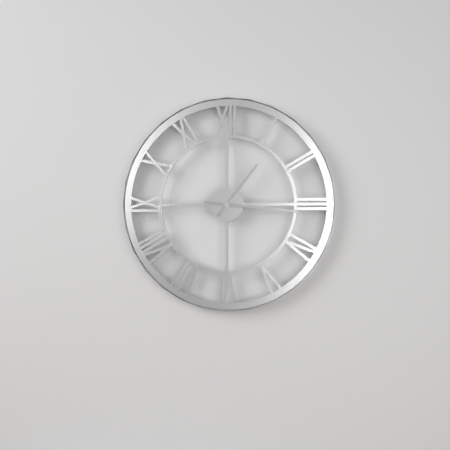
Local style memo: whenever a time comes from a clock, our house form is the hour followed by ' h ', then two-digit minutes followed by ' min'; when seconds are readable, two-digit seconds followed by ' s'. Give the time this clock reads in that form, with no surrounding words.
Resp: 1 h 16 min
